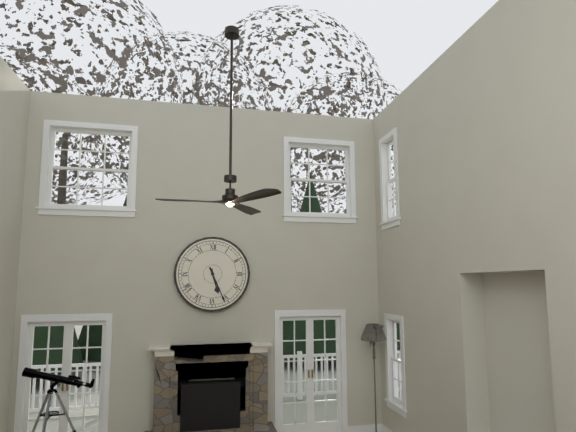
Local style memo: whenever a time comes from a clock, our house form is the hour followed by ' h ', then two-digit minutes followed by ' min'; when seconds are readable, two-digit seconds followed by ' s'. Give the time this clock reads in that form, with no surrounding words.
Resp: 5 h 26 min
